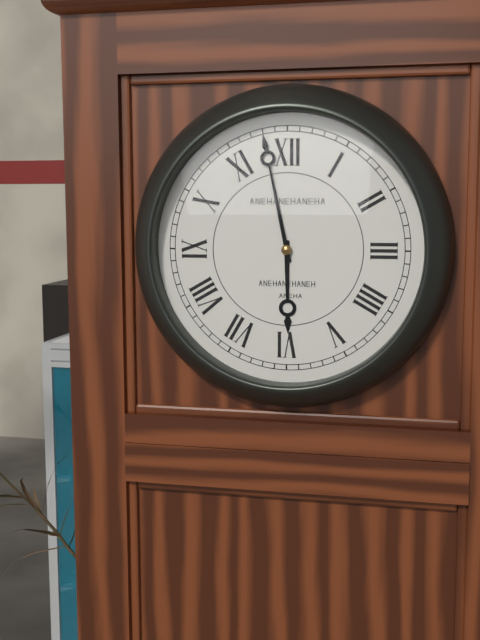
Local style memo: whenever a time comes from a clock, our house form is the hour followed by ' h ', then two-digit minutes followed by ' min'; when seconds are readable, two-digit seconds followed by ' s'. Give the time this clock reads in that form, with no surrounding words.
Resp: 5 h 58 min
